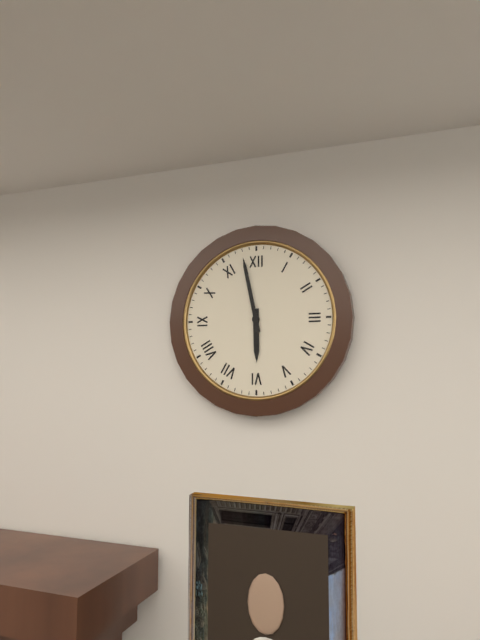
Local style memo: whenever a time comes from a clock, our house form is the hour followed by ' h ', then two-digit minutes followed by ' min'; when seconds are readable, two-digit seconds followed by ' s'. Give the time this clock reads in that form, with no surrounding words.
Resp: 5 h 58 min
